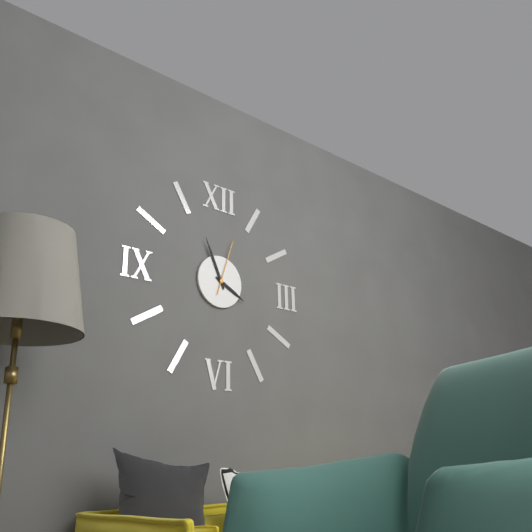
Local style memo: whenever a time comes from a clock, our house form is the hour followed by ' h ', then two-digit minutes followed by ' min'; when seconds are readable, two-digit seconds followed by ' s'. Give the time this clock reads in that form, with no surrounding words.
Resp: 3 h 56 min 03 s
